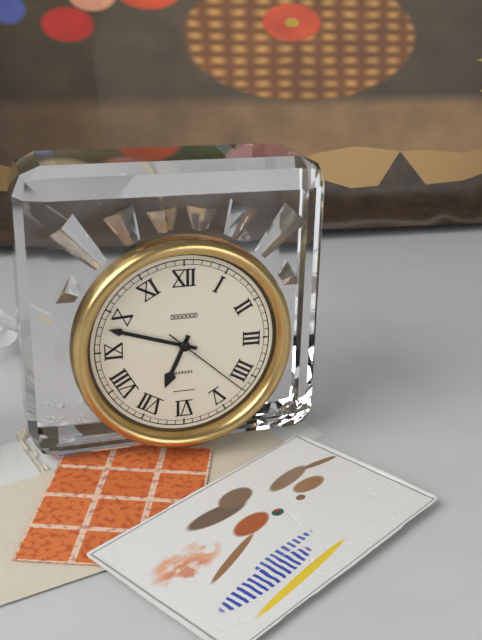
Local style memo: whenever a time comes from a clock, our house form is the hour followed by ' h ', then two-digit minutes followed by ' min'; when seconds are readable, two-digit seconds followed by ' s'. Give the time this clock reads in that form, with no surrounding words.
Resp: 6 h 48 min 22 s
